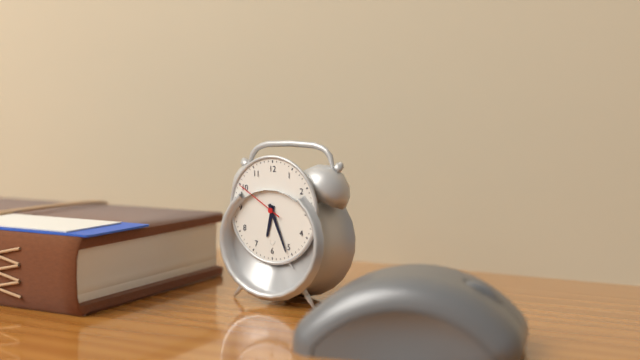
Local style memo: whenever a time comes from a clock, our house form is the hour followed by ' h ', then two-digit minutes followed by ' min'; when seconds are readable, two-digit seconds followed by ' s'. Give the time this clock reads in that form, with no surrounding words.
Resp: 6 h 26 min 50 s
